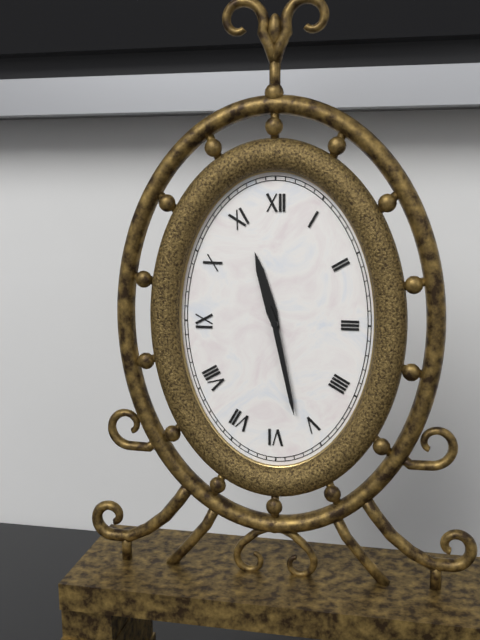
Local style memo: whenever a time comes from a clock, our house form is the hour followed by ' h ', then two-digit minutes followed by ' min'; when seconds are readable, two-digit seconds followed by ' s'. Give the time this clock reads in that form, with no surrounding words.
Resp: 11 h 28 min
